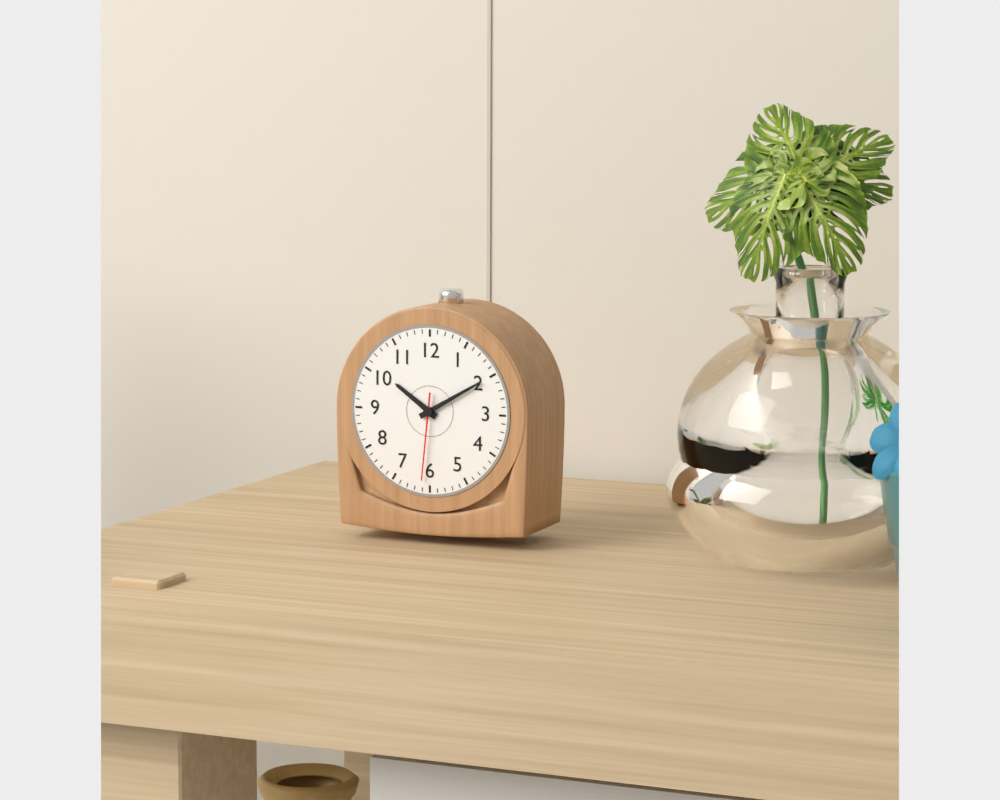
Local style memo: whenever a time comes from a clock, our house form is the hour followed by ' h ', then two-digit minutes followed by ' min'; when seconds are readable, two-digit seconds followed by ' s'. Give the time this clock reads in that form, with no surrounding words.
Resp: 10 h 10 min 31 s
